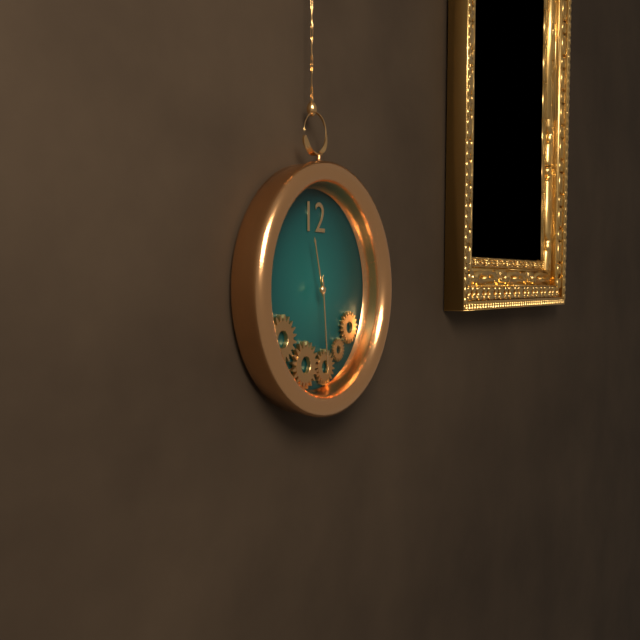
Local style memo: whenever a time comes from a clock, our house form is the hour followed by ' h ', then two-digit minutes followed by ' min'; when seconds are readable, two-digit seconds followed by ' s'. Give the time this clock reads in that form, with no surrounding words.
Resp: 11 h 29 min
